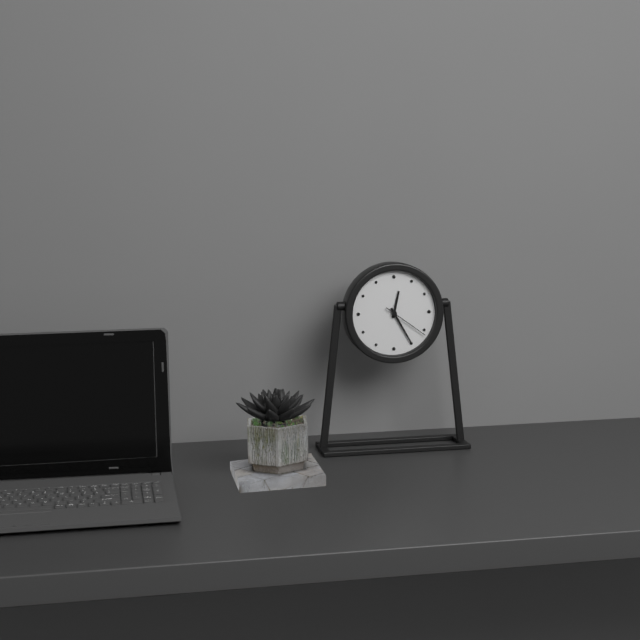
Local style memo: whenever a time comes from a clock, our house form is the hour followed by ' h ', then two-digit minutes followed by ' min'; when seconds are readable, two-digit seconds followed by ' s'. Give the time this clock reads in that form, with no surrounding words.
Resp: 12 h 25 min
